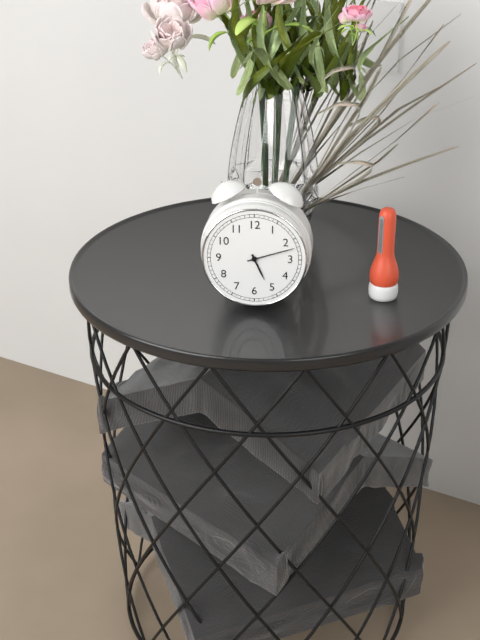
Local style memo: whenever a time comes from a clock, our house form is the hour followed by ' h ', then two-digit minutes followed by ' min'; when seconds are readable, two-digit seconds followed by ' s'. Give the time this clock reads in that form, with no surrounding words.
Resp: 5 h 12 min
